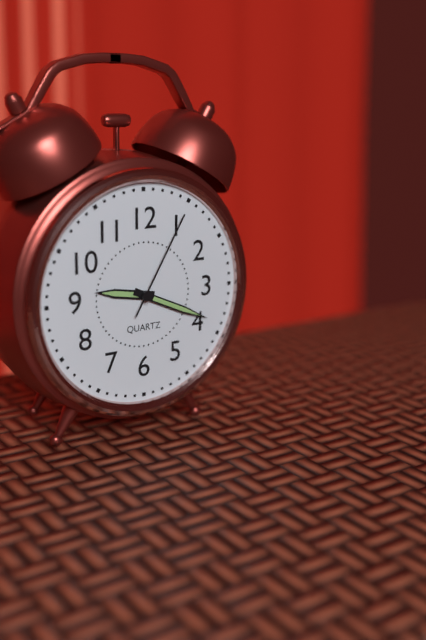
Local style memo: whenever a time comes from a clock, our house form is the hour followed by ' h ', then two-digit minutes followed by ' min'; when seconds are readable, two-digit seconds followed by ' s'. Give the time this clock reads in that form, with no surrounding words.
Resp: 9 h 19 min 05 s
